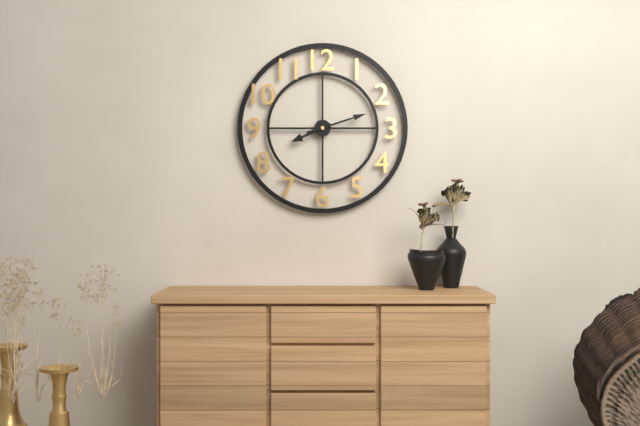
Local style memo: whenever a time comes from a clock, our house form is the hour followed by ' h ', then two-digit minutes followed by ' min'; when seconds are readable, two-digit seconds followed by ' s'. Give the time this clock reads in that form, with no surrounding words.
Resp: 8 h 12 min
